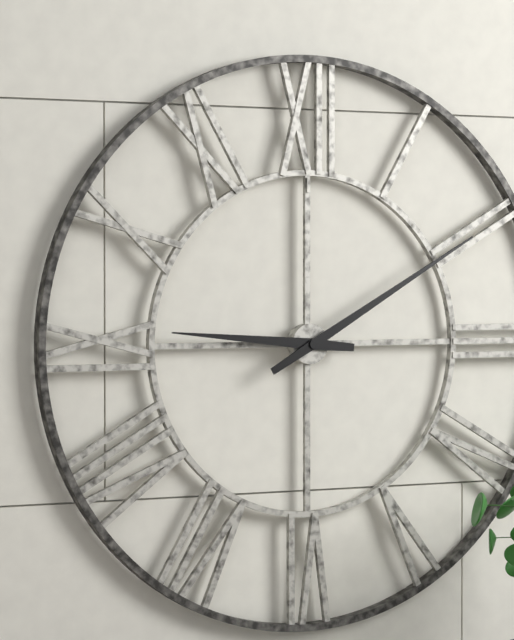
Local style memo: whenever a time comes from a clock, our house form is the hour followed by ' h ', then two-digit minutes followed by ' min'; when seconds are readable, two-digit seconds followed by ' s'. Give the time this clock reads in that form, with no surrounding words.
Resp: 9 h 10 min
